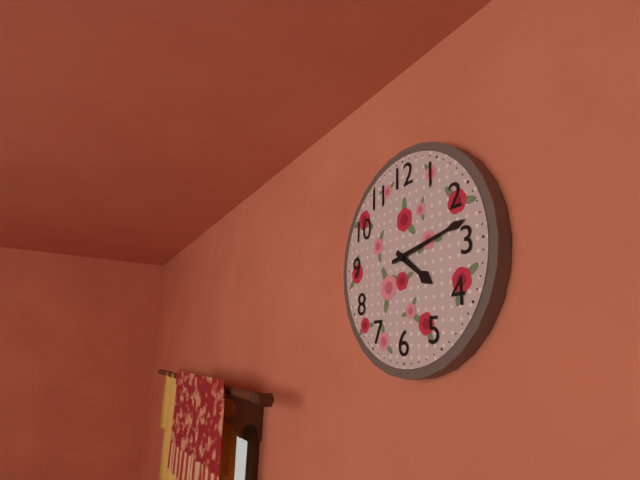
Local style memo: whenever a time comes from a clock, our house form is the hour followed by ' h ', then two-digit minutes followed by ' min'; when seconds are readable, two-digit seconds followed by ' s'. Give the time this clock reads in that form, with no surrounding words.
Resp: 4 h 13 min
